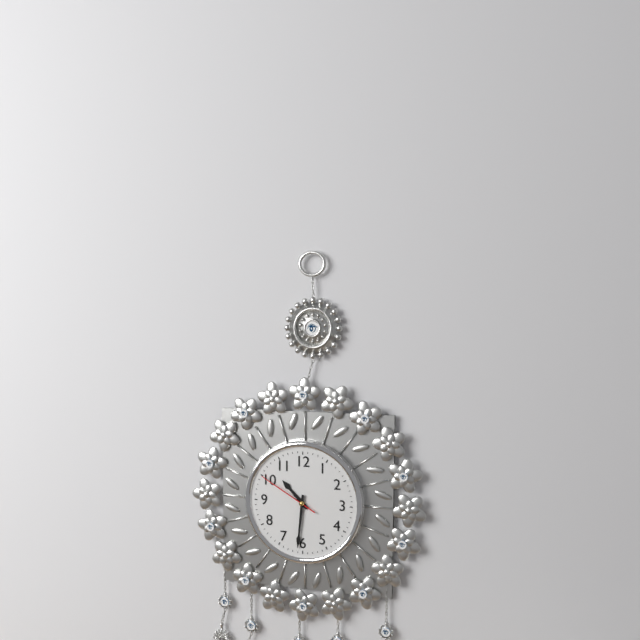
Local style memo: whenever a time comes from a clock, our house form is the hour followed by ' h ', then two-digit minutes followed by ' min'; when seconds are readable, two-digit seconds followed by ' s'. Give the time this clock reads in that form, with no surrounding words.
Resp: 10 h 31 min 50 s
